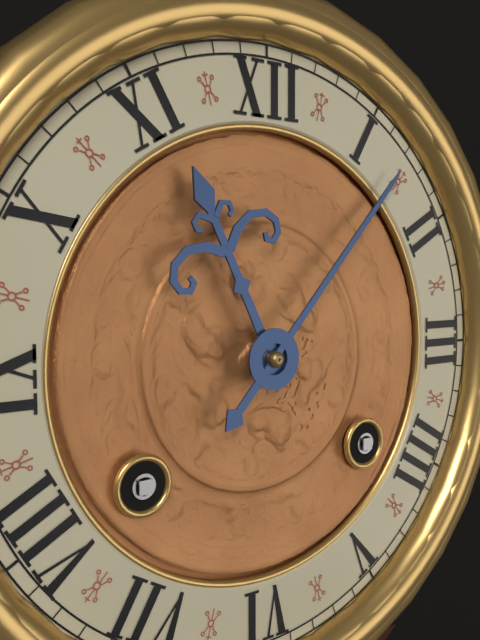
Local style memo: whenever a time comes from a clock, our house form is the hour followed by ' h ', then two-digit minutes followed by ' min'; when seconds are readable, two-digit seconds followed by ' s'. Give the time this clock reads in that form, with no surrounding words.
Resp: 11 h 07 min
